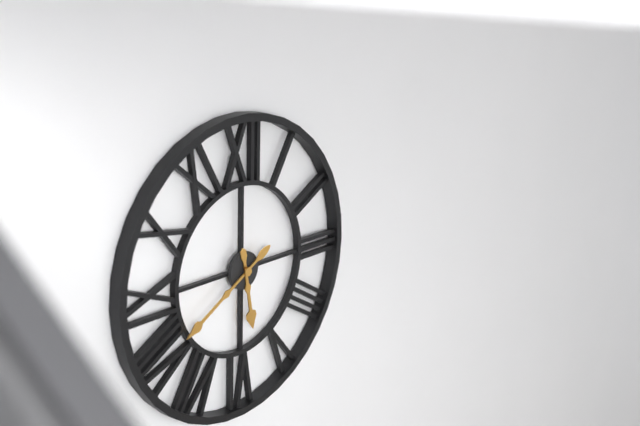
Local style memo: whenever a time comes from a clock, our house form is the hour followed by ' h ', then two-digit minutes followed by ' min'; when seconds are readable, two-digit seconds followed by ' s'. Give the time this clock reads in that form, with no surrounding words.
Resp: 5 h 40 min
